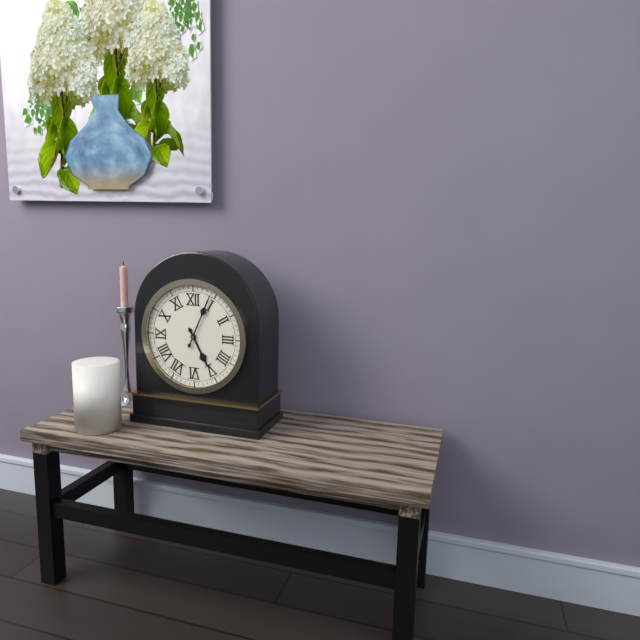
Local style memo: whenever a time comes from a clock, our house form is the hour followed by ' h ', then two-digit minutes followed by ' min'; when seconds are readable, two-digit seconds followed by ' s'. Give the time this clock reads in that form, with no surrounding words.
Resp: 5 h 04 min
